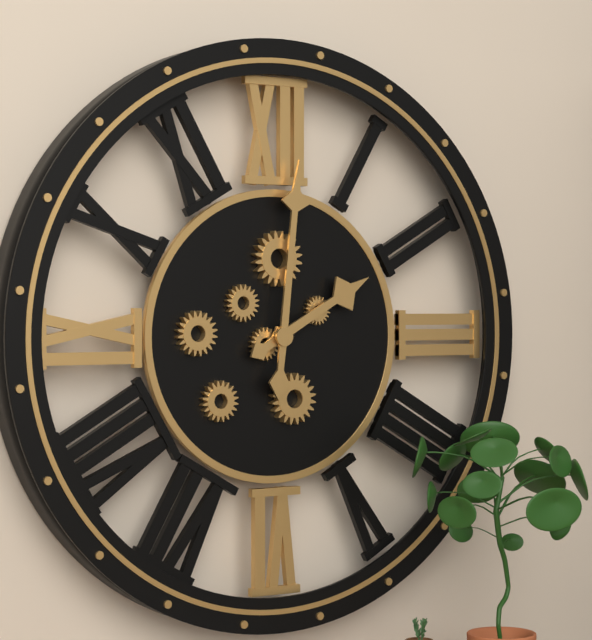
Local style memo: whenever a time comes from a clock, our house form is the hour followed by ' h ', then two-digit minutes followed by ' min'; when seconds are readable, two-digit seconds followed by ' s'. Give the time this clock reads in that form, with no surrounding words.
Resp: 2 h 01 min
